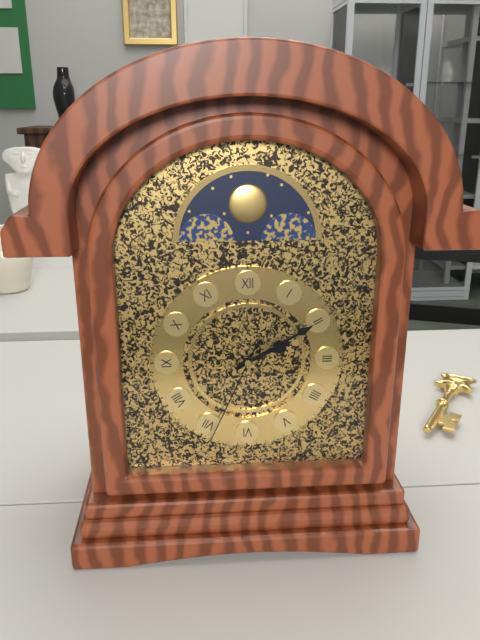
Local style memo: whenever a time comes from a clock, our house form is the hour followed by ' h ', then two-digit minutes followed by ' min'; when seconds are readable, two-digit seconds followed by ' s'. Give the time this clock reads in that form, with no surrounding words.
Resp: 2 h 10 min 34 s
